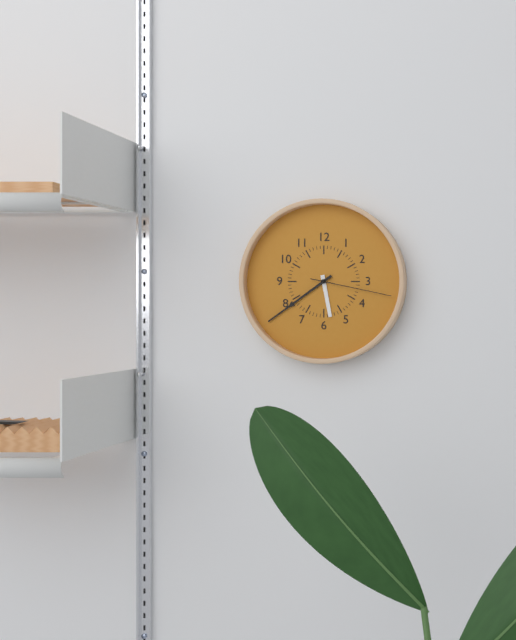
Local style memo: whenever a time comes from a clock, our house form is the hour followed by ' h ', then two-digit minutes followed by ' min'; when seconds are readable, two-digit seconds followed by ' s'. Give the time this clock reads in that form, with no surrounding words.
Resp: 5 h 39 min 17 s
